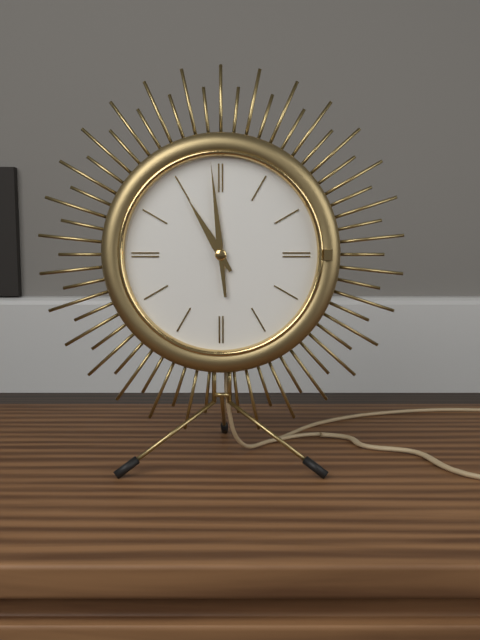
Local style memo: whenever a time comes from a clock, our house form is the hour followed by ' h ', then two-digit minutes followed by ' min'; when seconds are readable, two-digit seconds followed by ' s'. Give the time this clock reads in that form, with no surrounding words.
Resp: 10 h 59 min
